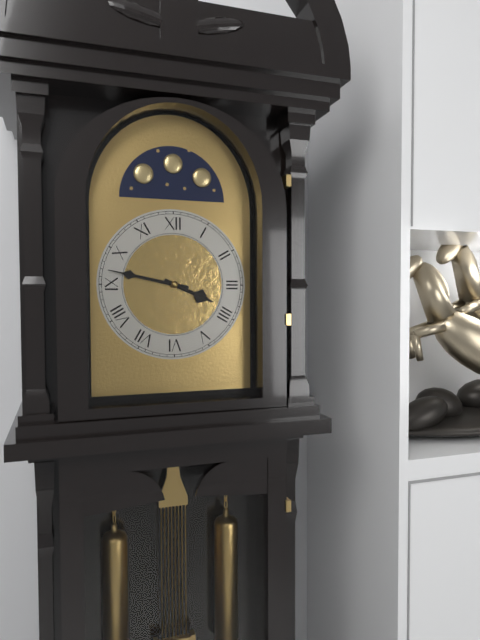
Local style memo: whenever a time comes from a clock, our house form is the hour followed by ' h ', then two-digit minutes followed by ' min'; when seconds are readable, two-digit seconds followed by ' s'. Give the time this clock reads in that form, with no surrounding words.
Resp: 3 h 47 min
